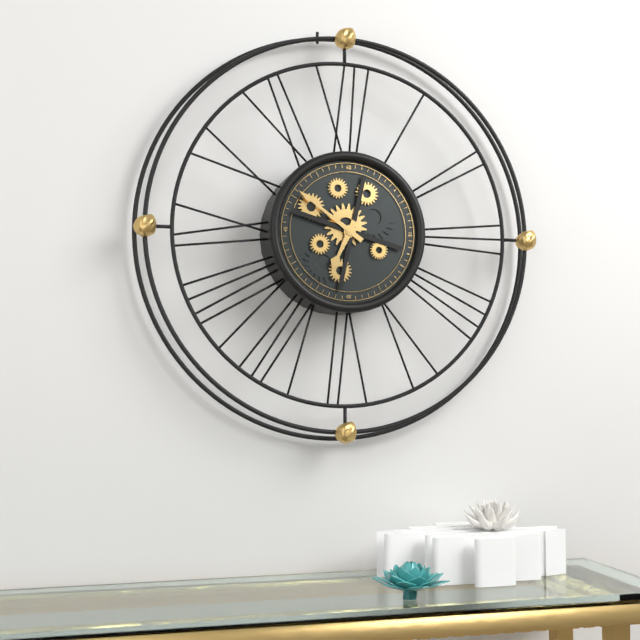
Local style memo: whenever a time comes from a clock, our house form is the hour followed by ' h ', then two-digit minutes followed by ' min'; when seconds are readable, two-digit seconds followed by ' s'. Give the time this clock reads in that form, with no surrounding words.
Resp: 6 h 51 min
